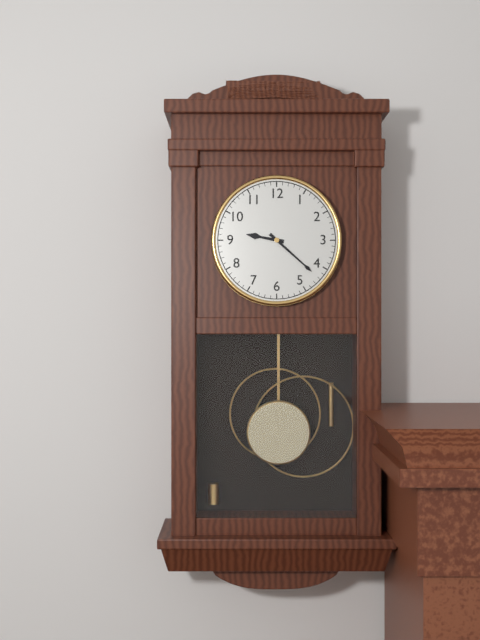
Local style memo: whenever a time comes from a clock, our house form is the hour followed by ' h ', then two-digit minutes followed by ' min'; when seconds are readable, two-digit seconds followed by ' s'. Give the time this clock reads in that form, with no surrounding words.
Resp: 9 h 22 min
